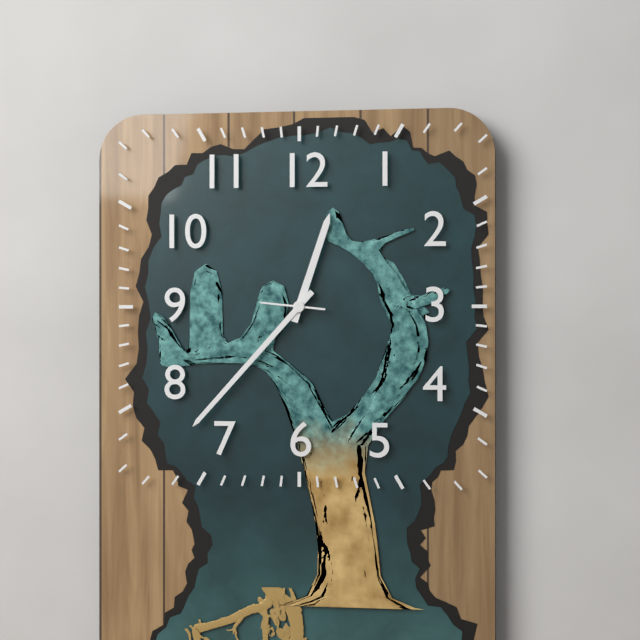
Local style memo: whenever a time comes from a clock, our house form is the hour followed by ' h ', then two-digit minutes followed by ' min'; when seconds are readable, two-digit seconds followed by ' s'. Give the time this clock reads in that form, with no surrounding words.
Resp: 12 h 37 min 46 s
